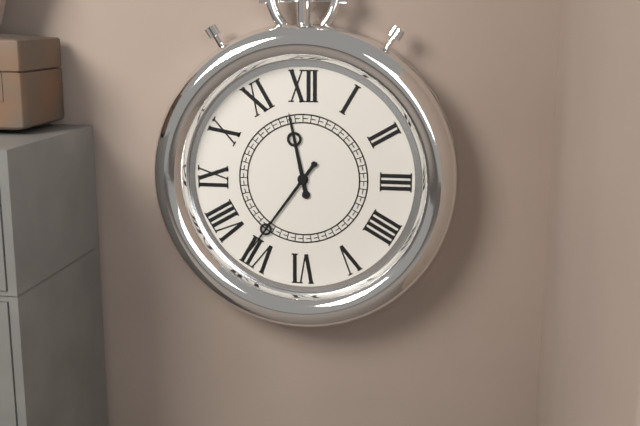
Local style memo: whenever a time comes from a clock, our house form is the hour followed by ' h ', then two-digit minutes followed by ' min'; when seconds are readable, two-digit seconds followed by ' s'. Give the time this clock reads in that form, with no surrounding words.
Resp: 11 h 36 min
